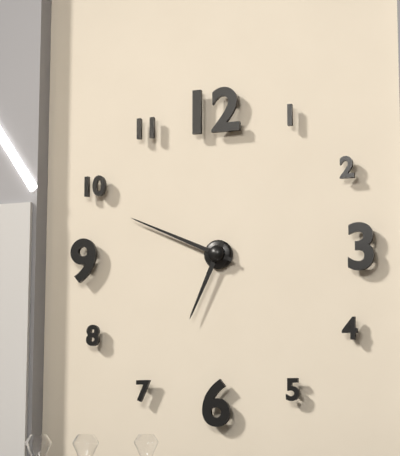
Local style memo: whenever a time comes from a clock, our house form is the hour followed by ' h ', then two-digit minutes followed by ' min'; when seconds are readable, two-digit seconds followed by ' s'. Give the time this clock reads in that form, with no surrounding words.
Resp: 6 h 49 min
